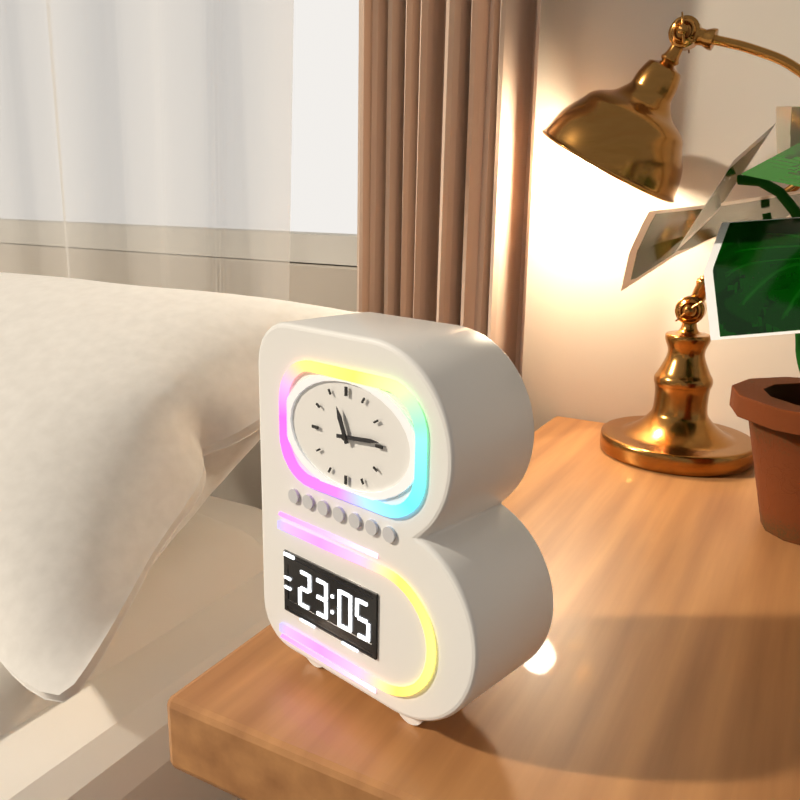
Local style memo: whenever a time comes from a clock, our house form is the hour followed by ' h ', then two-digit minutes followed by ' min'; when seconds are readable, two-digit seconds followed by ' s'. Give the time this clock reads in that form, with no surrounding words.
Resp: 11 h 14 min
